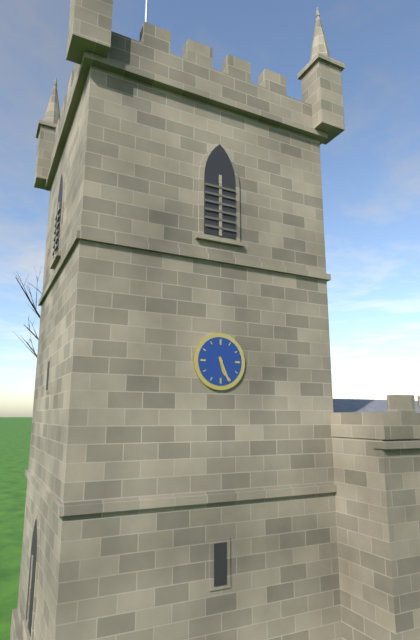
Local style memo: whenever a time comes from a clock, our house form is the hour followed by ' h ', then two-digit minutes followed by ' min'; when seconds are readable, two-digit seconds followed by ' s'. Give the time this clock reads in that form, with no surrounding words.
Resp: 5 h 26 min
